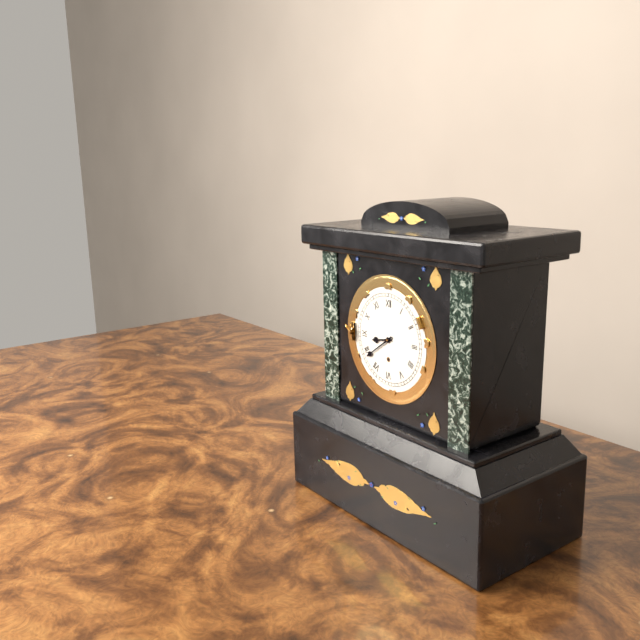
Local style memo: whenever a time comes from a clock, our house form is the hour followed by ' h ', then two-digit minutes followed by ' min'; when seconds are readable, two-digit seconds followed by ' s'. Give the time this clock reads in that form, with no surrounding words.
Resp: 8 h 39 min
